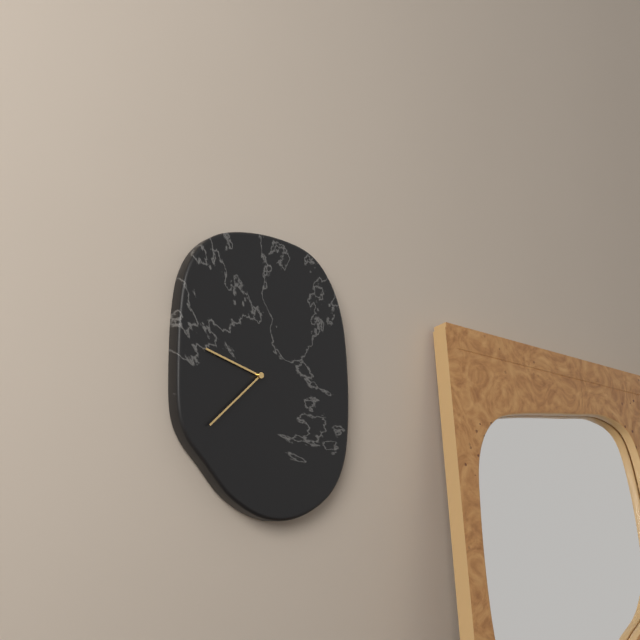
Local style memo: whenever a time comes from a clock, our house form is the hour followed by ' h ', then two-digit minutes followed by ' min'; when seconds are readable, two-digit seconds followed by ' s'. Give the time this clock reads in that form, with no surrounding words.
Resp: 9 h 38 min
